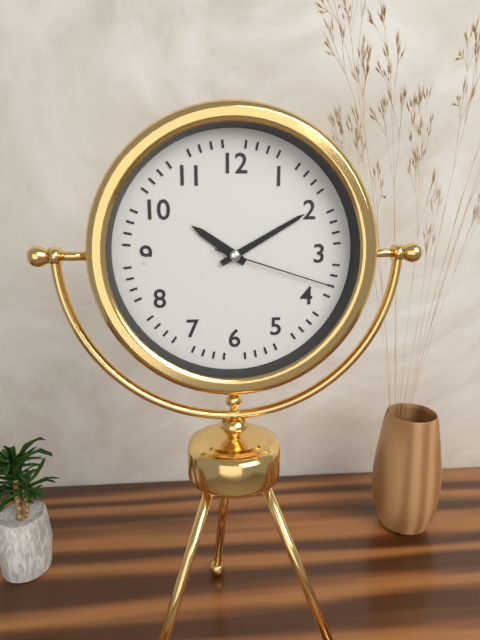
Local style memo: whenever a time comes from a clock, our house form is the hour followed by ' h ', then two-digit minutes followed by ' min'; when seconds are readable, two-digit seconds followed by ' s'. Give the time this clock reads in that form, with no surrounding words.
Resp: 10 h 10 min 18 s
